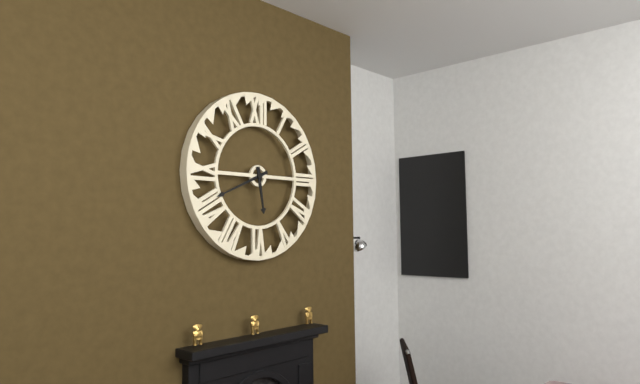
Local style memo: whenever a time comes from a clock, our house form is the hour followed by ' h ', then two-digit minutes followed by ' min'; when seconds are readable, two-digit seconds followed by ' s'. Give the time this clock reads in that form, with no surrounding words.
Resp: 5 h 41 min
